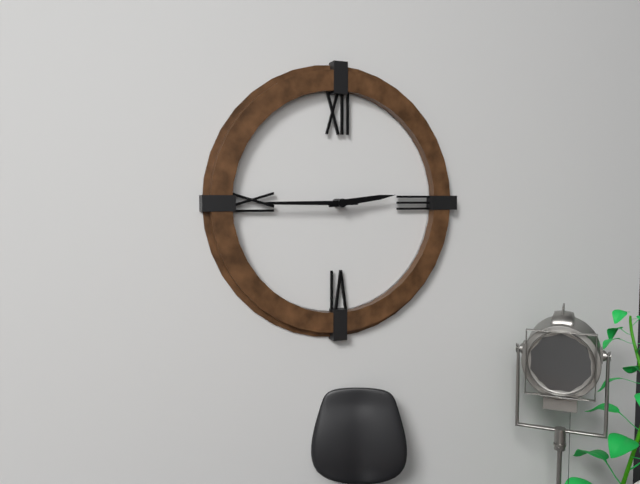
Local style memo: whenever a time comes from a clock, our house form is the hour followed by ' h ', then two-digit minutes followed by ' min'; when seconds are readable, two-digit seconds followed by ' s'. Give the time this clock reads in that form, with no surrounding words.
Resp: 2 h 45 min
